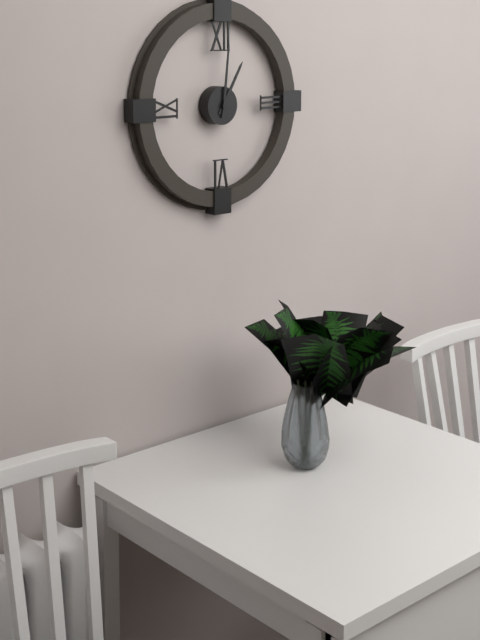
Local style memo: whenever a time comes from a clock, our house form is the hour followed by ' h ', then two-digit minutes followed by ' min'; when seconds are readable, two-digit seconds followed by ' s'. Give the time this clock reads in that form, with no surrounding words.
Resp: 1 h 01 min
